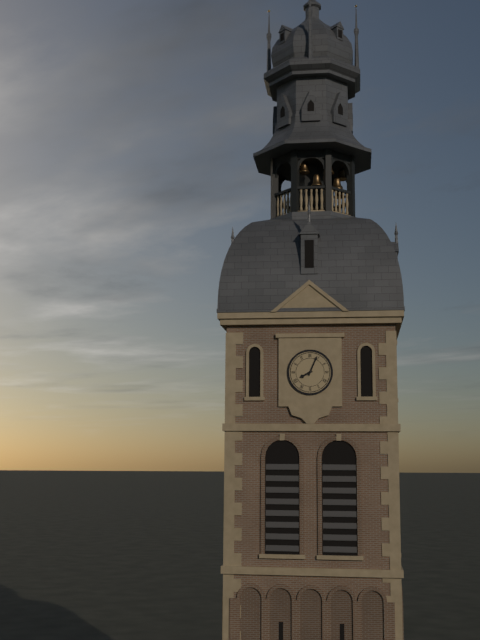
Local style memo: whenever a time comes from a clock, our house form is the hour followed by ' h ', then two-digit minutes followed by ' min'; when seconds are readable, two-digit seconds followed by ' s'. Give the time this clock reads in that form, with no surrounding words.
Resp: 8 h 04 min
